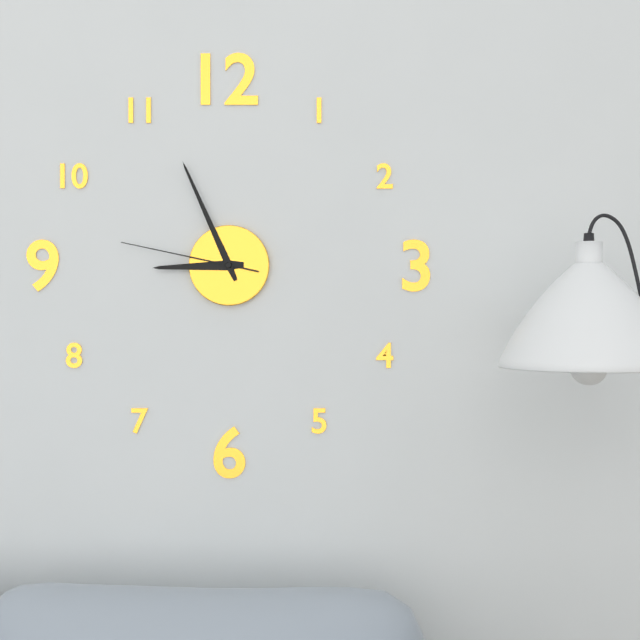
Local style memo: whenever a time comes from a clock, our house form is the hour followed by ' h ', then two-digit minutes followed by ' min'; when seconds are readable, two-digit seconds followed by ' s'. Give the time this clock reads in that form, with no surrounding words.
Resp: 8 h 56 min 47 s
